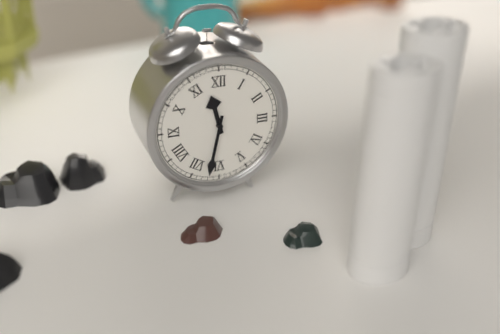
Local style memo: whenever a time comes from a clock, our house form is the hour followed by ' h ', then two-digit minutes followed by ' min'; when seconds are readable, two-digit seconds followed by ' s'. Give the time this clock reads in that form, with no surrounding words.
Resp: 11 h 32 min
